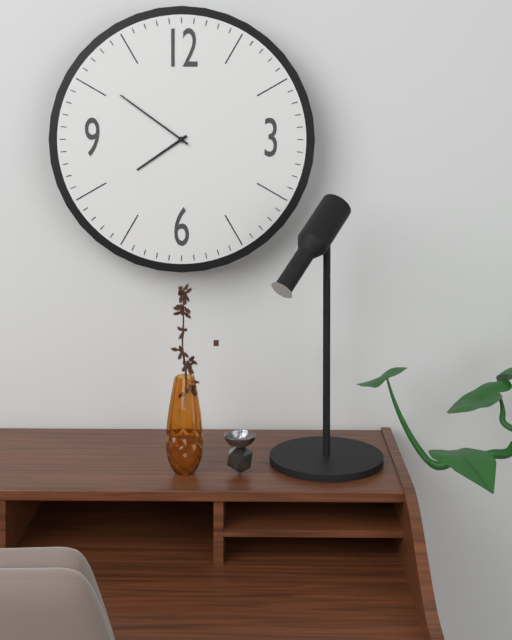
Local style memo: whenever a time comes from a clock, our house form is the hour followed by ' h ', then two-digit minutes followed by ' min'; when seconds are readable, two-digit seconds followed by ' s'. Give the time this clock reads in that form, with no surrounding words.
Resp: 7 h 51 min
